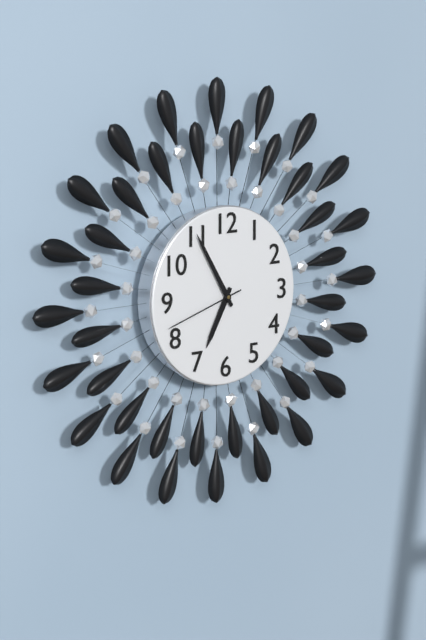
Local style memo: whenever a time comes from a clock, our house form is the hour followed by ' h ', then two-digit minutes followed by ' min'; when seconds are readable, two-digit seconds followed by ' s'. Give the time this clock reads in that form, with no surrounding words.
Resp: 6 h 55 min 42 s
